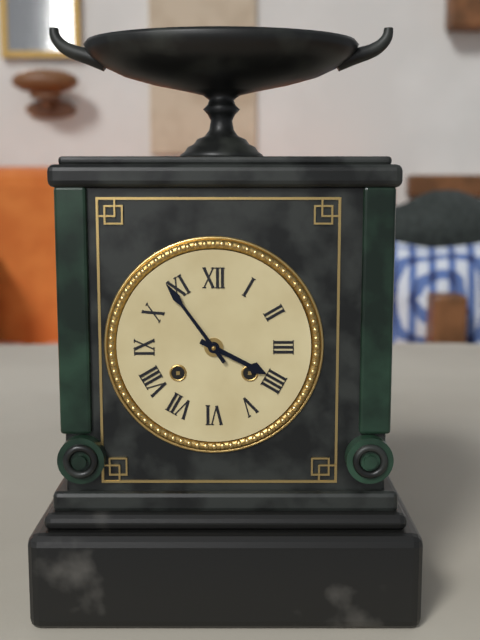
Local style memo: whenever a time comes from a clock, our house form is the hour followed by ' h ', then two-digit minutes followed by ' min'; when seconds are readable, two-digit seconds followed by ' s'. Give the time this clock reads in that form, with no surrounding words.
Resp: 3 h 54 min
